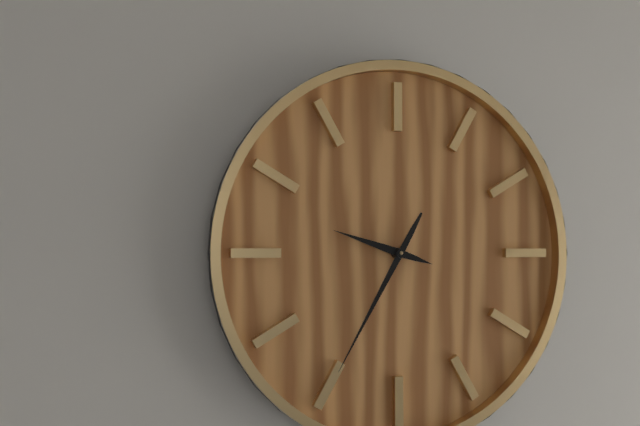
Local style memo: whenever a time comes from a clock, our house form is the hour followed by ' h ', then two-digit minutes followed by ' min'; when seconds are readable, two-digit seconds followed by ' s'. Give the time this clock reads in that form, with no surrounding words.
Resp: 9 h 35 min
